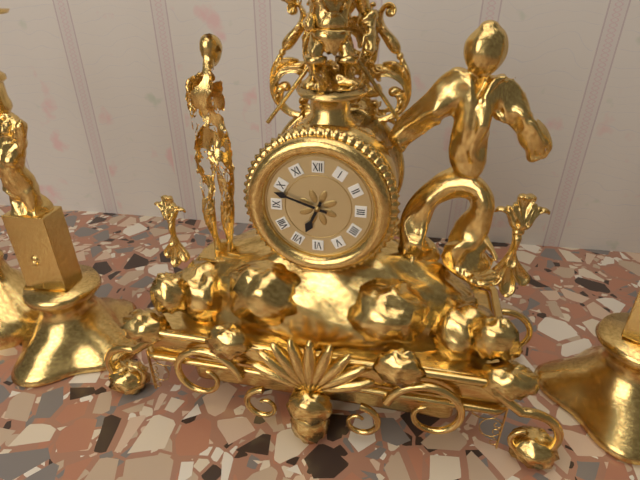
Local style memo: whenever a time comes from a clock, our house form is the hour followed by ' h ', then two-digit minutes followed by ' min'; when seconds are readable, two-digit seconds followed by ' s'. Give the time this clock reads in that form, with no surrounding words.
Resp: 6 h 48 min
